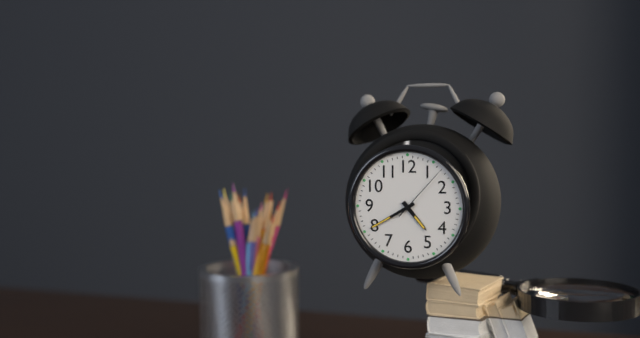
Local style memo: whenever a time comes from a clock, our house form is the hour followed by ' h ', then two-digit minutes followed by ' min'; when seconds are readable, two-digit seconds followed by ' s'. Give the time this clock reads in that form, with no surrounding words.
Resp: 4 h 40 min 07 s
